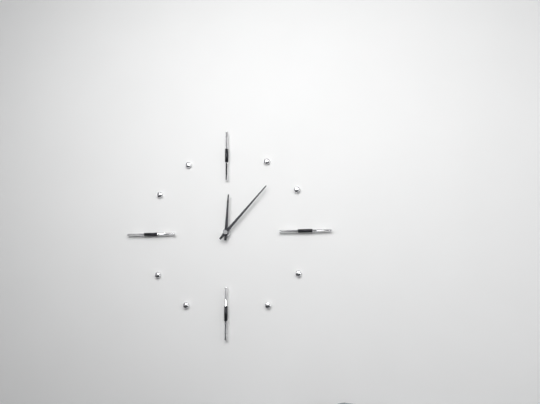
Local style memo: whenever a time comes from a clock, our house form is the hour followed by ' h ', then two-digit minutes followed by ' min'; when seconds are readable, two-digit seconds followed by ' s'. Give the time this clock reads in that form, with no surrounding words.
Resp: 12 h 07 min
